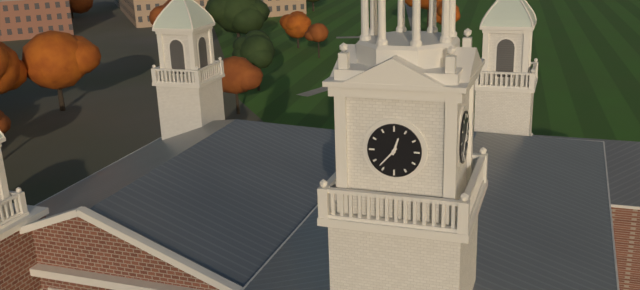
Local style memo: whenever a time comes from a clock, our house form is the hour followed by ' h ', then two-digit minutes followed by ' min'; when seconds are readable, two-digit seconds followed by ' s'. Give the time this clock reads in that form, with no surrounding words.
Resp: 12 h 37 min
